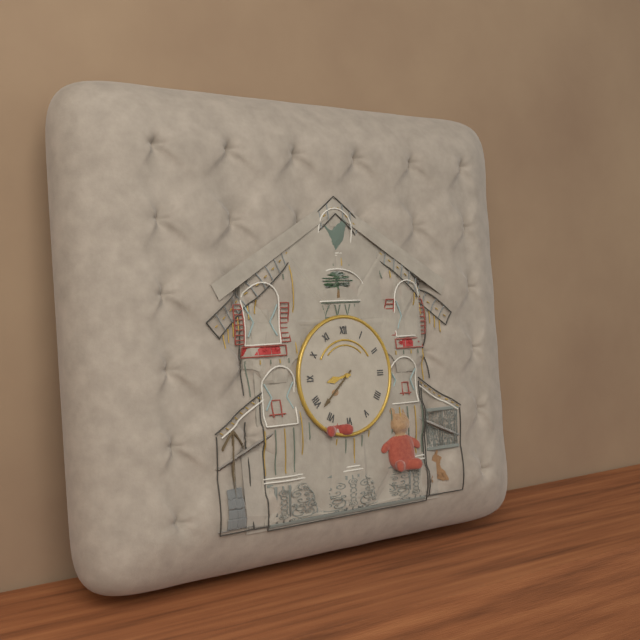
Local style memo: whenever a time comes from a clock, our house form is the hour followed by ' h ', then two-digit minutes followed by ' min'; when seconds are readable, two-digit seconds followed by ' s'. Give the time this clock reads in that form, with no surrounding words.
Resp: 8 h 38 min
